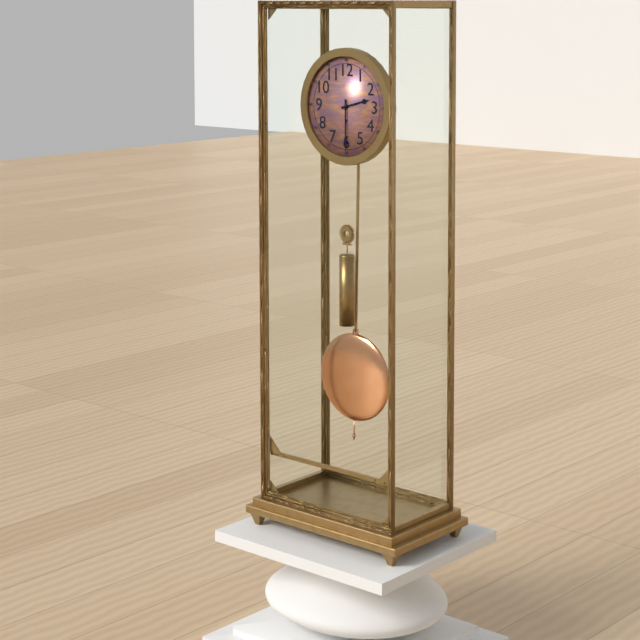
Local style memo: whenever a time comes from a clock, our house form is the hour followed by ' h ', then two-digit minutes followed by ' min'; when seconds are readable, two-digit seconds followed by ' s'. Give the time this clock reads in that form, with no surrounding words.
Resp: 2 h 30 min
